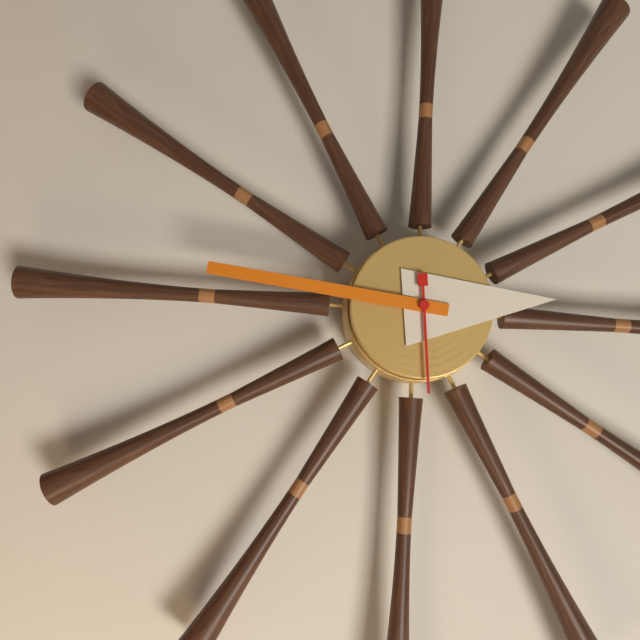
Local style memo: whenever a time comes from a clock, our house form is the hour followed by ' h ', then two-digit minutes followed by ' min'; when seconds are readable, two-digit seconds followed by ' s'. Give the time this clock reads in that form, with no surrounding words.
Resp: 2 h 46 min 29 s
